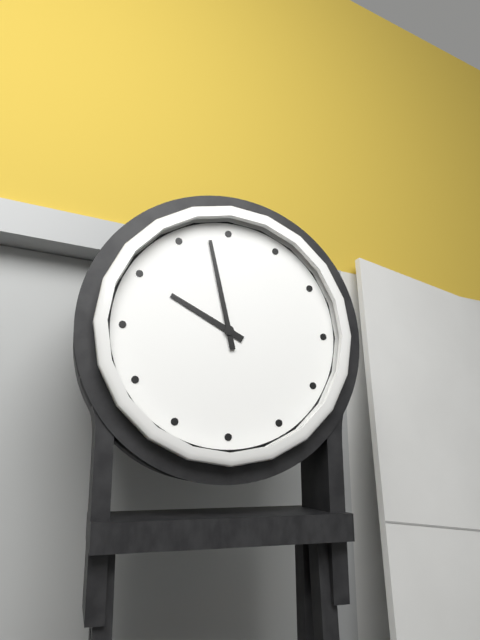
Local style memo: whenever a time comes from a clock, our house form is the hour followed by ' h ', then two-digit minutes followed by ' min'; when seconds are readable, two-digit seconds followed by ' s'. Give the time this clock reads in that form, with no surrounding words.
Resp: 9 h 58 min
